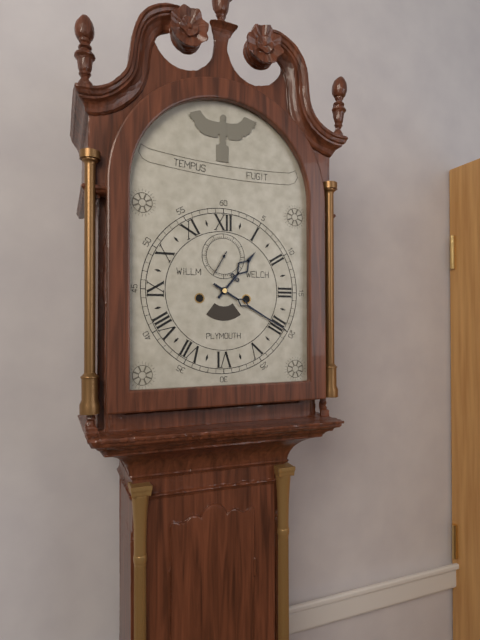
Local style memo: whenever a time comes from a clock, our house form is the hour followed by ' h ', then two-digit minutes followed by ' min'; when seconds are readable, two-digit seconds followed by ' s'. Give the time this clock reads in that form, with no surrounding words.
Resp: 1 h 20 min
